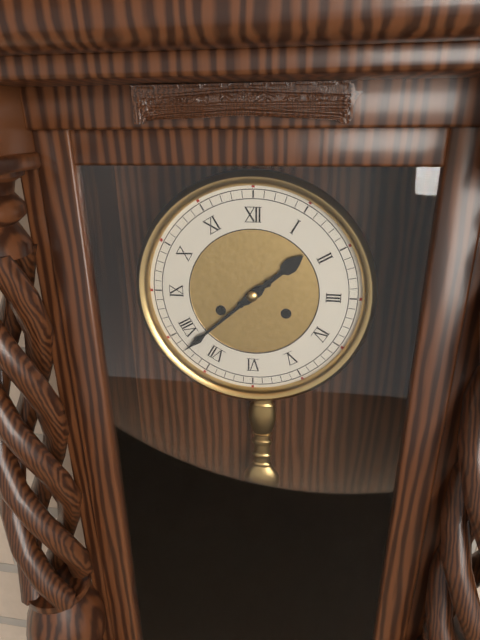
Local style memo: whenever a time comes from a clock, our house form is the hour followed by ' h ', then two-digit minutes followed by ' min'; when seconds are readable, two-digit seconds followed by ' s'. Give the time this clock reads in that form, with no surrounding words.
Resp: 1 h 38 min
